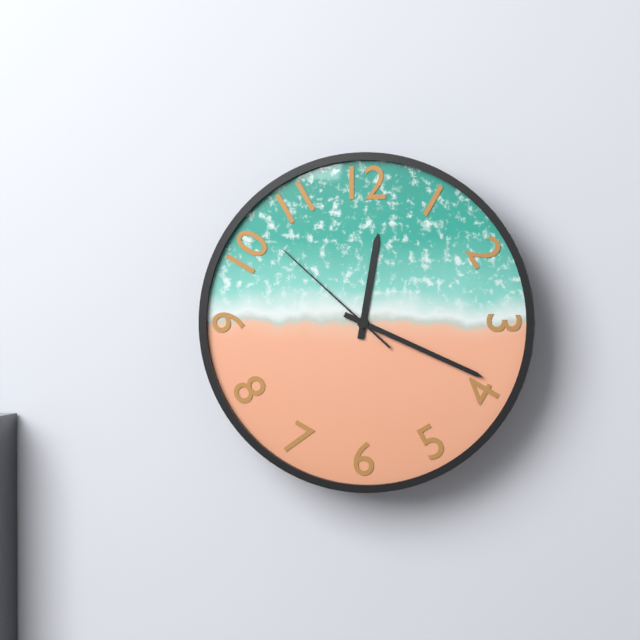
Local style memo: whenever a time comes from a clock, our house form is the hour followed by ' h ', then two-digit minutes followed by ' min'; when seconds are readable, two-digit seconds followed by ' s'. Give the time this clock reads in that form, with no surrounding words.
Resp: 12 h 19 min 52 s
